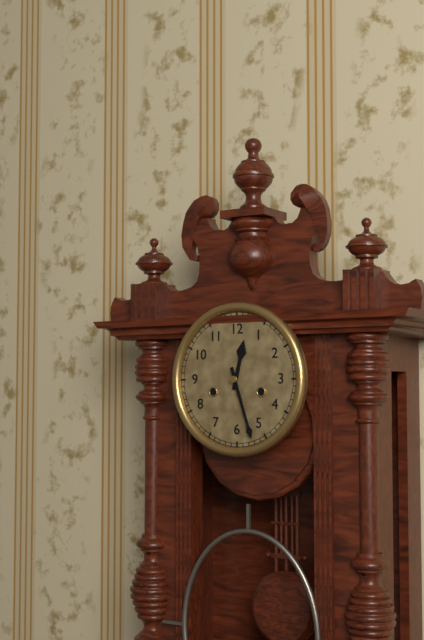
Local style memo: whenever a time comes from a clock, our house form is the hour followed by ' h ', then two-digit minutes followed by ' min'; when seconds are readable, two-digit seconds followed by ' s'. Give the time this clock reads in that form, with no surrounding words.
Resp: 12 h 27 min
